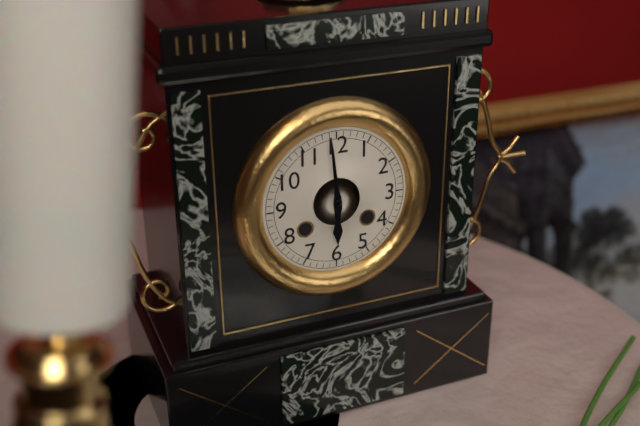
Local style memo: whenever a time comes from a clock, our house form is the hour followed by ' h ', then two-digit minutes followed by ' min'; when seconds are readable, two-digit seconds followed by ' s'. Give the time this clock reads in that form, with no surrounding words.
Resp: 5 h 59 min
